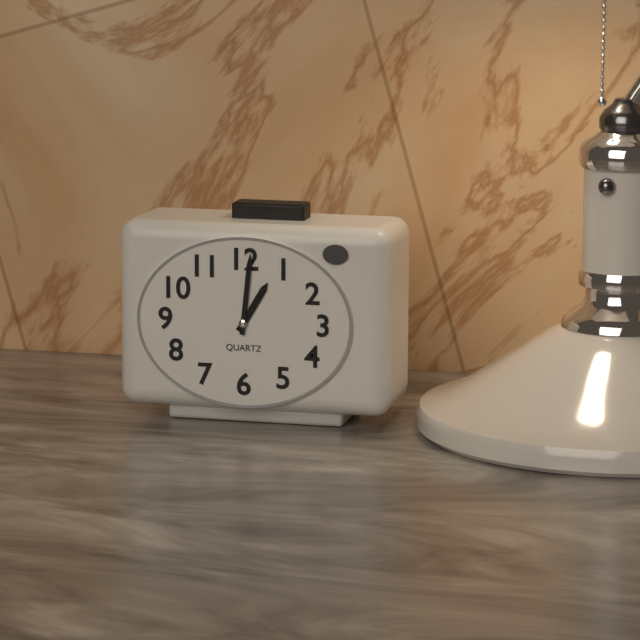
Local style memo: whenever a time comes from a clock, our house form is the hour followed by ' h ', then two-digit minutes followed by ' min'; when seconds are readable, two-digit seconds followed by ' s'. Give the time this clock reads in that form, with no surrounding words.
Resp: 1 h 01 min
